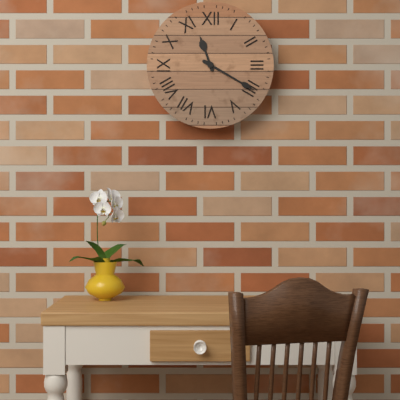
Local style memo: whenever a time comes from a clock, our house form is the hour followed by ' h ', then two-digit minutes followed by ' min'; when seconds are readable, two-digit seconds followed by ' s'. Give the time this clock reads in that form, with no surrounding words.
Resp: 11 h 20 min
